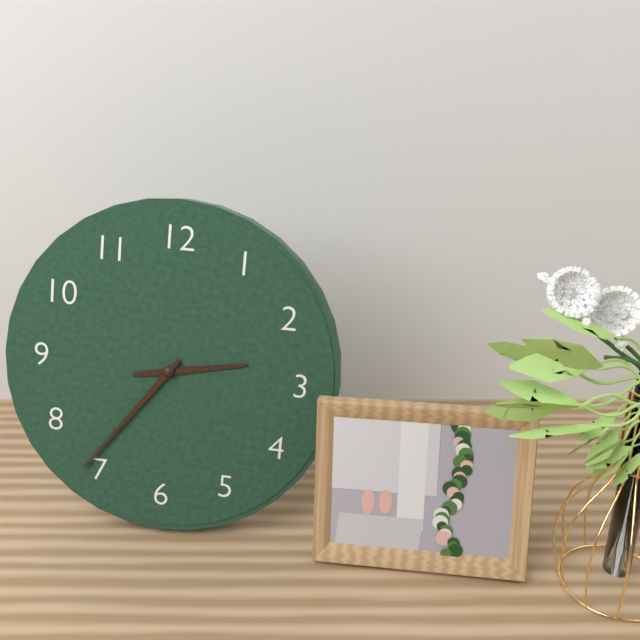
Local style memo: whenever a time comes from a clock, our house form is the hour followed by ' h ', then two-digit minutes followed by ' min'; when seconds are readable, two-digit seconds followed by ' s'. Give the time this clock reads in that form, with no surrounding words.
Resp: 2 h 36 min
